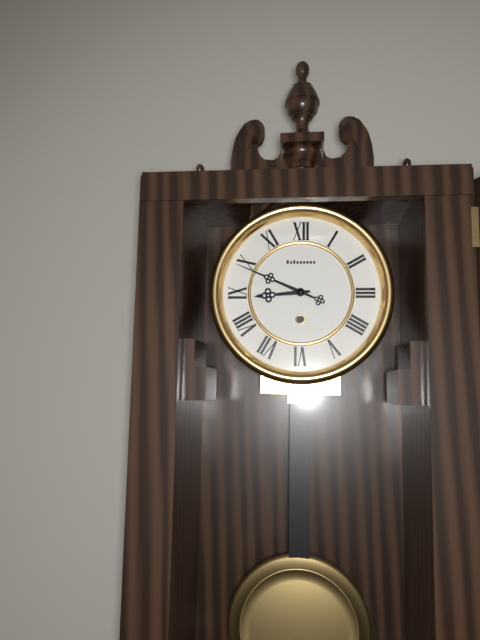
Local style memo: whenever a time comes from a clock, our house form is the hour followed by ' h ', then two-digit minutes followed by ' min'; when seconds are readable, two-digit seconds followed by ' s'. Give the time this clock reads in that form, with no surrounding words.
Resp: 8 h 49 min
